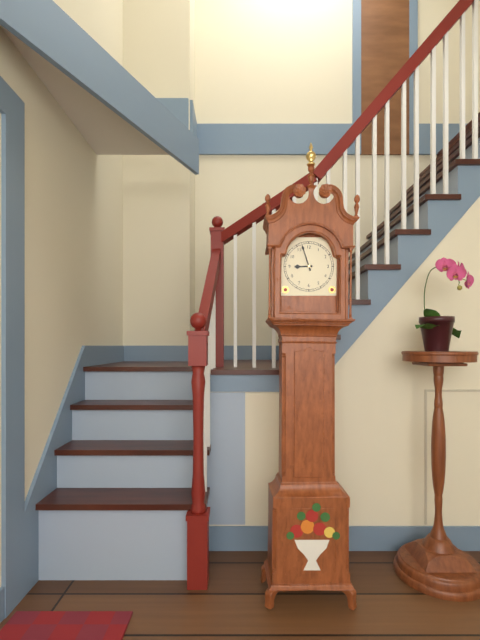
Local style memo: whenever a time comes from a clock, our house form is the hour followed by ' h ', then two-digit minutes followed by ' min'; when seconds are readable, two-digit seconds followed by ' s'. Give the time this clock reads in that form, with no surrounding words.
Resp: 8 h 57 min
